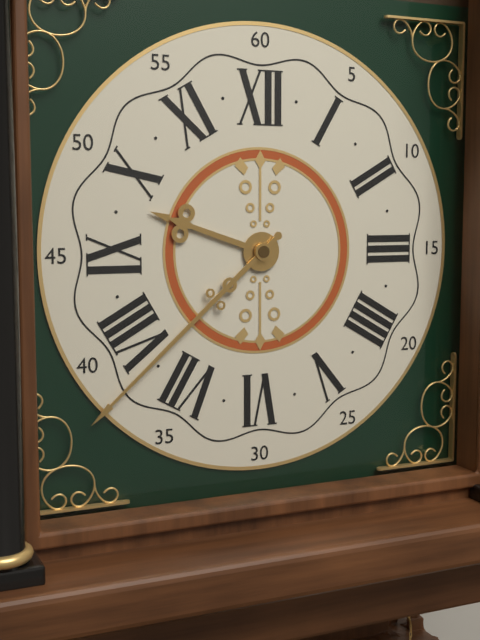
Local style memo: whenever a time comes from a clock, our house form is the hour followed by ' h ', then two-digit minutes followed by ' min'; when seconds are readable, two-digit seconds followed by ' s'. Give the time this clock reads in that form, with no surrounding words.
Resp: 9 h 38 min
